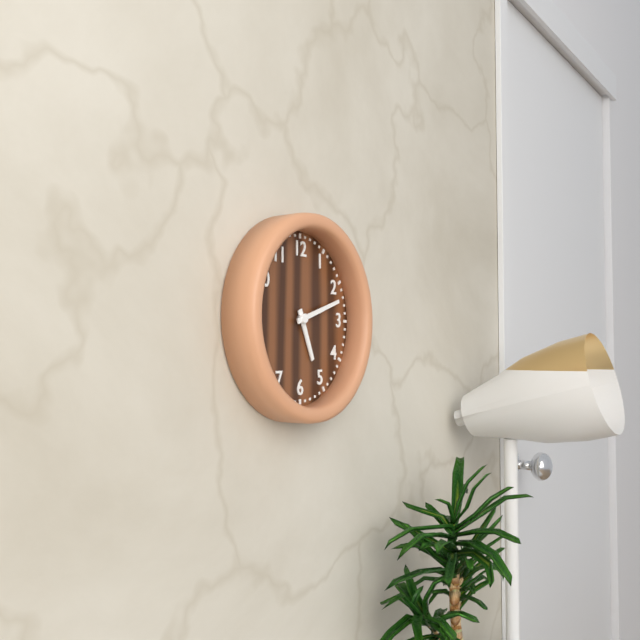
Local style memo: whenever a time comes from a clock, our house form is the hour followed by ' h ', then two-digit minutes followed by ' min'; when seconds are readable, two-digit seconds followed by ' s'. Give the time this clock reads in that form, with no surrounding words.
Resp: 5 h 12 min
